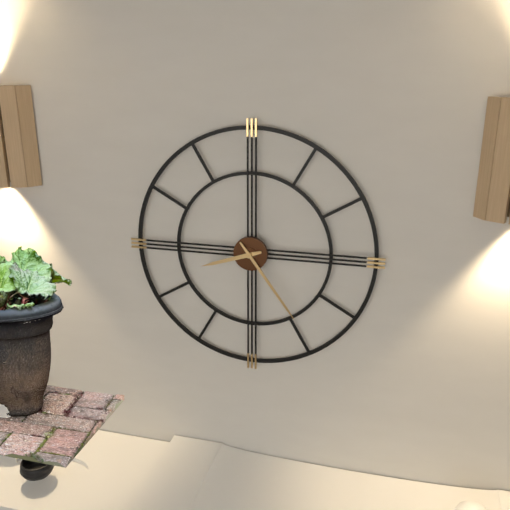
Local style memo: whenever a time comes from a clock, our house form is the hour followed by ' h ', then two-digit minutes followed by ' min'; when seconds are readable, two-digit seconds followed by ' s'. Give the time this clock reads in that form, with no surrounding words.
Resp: 8 h 24 min
